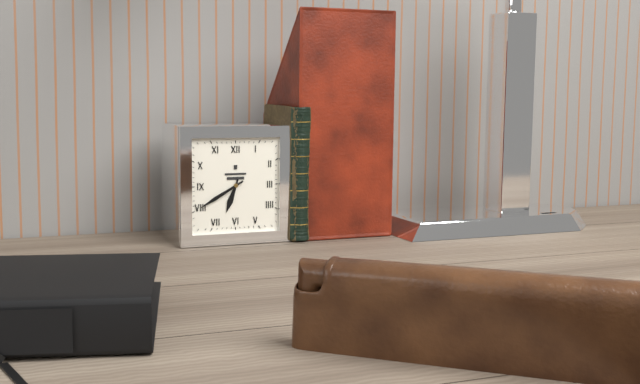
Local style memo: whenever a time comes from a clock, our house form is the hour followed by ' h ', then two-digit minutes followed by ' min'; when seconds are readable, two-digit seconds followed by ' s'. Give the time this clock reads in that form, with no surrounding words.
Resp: 6 h 40 min
